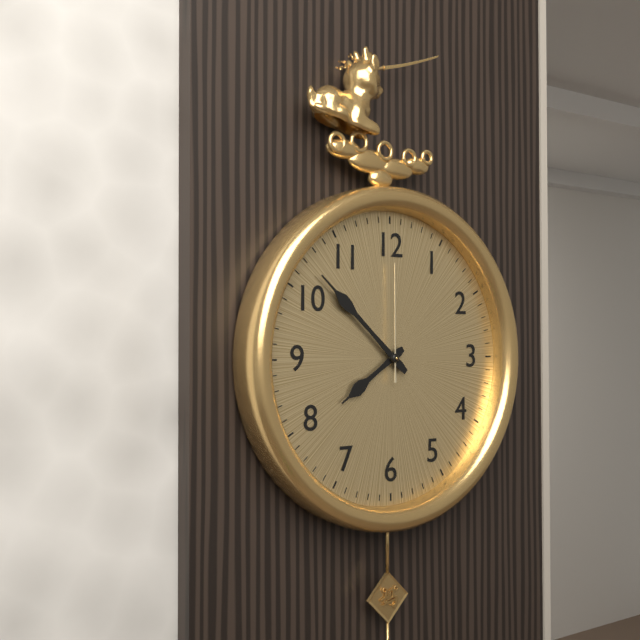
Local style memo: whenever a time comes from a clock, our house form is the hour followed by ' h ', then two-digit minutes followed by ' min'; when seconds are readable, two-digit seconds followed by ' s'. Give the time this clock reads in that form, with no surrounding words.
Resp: 7 h 52 min 00 s
